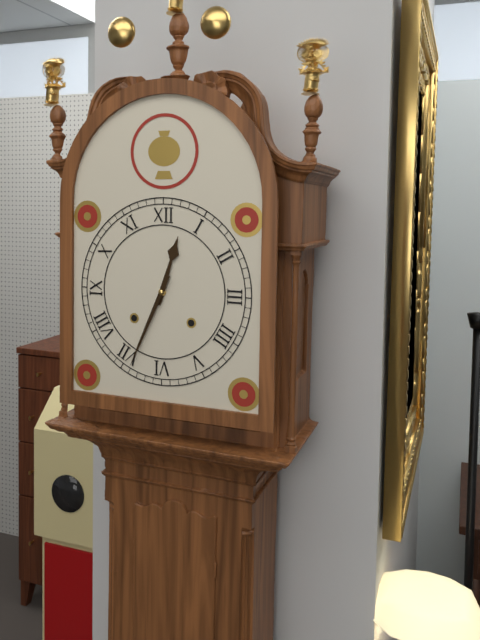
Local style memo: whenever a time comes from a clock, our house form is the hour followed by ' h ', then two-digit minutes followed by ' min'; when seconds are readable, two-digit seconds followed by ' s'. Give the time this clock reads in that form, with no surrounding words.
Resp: 12 h 34 min
